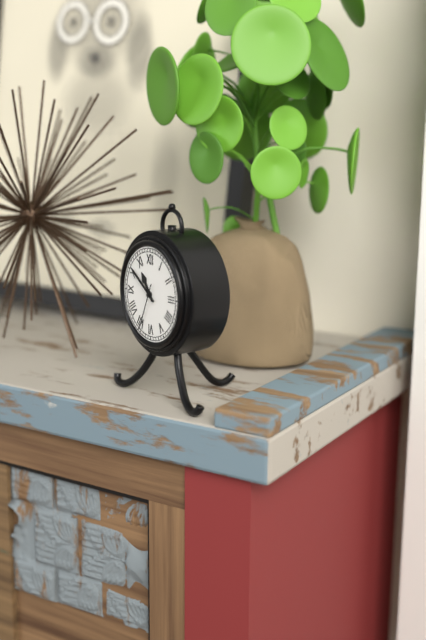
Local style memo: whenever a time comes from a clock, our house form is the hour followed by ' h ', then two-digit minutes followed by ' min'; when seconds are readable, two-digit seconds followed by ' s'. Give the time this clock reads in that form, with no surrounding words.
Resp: 10 h 51 min 34 s
